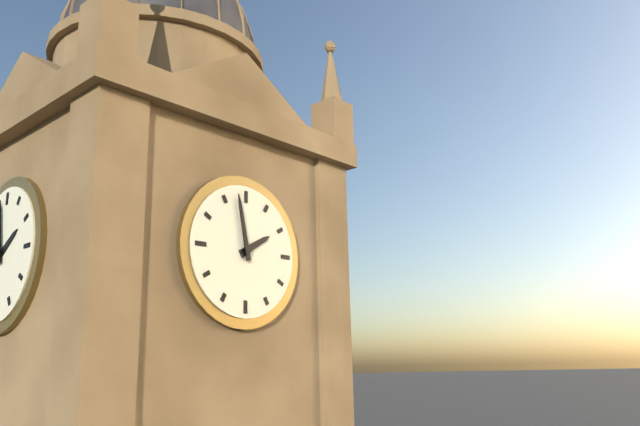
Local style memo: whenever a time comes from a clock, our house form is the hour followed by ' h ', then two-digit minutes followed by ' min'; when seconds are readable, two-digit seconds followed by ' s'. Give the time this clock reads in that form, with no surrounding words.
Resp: 1 h 58 min
